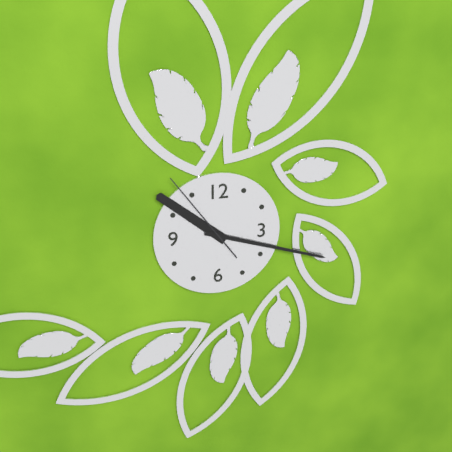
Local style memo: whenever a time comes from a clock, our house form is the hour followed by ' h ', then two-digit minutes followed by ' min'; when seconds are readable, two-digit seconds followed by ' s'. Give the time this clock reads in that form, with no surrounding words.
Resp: 10 h 18 min 54 s
